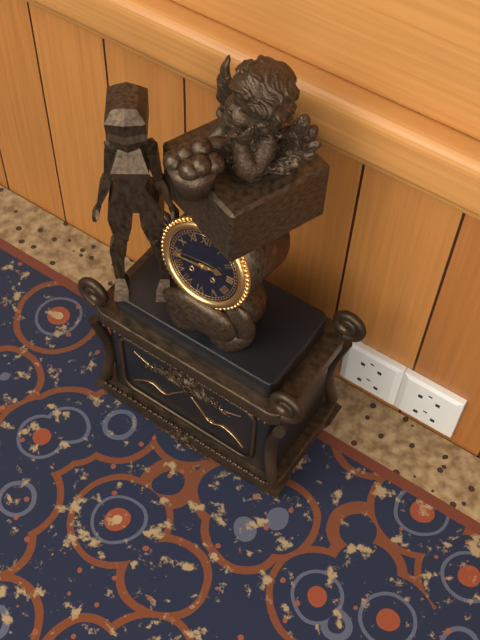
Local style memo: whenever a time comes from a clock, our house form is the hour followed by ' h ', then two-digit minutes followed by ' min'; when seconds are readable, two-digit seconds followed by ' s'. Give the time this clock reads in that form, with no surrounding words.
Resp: 2 h 44 min
